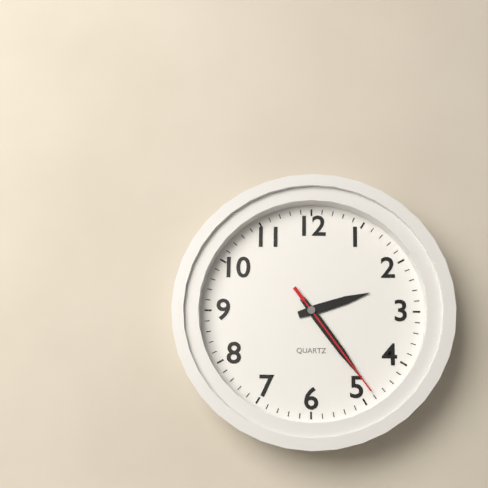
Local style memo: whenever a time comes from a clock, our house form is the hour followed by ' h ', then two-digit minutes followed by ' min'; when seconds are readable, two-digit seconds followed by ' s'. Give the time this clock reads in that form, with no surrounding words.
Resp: 2 h 24 min 24 s
